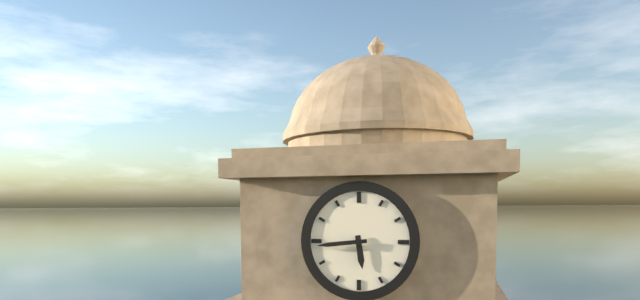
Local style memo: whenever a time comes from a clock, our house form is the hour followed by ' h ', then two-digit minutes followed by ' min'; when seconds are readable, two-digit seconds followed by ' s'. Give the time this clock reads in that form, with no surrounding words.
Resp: 5 h 44 min
